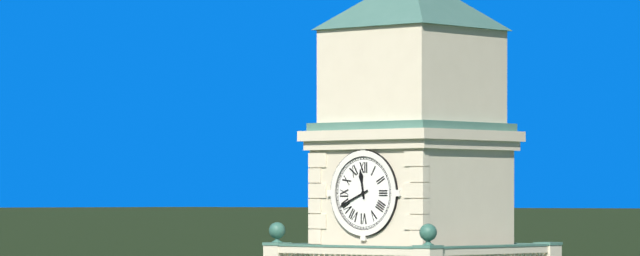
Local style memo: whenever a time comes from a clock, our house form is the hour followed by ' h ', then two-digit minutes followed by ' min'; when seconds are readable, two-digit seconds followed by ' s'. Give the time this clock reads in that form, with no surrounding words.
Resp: 11 h 41 min
